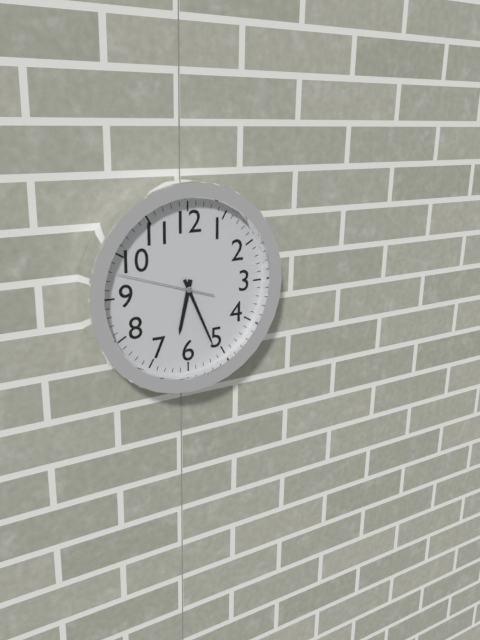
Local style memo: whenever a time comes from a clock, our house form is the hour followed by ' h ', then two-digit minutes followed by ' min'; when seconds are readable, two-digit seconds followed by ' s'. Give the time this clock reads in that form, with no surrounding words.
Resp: 6 h 26 min 48 s
